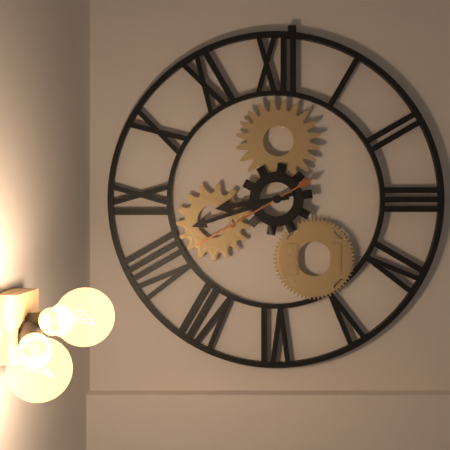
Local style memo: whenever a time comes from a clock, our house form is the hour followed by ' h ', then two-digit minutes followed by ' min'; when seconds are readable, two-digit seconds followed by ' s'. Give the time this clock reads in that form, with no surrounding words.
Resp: 8 h 42 min 40 s
